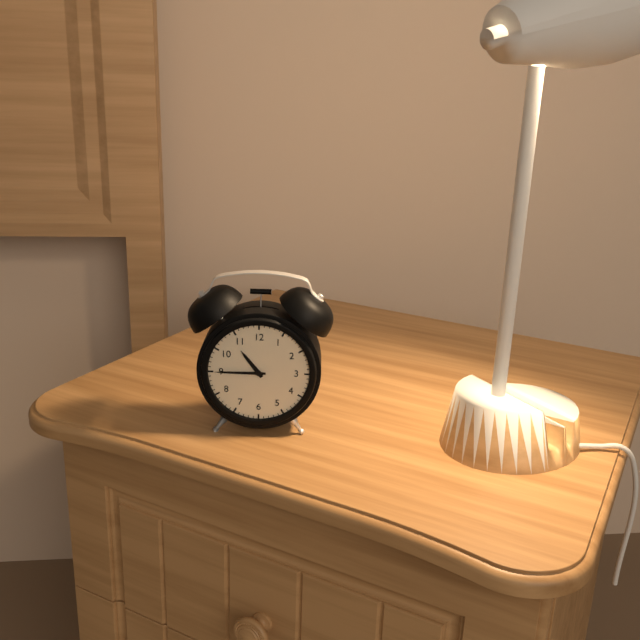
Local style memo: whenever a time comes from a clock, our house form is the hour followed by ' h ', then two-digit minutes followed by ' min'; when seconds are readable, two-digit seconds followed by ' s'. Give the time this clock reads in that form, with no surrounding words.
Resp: 10 h 45 min
